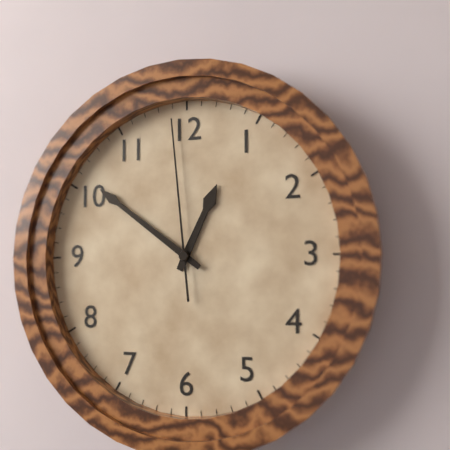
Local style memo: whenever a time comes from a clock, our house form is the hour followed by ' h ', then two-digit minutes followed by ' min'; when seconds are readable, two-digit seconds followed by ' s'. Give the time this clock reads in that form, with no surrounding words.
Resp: 12 h 51 min 59 s
